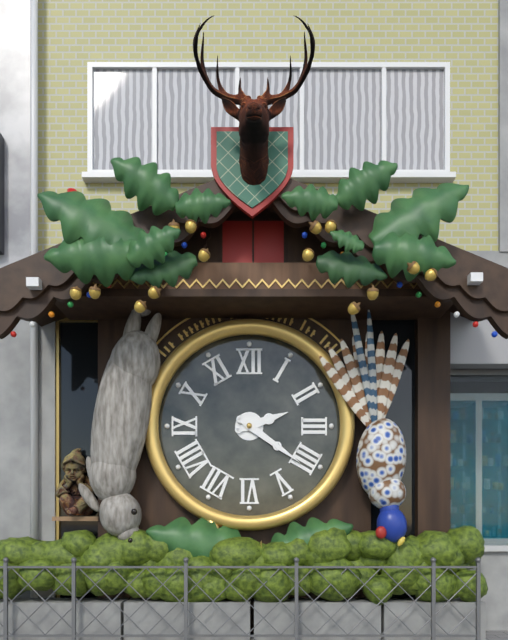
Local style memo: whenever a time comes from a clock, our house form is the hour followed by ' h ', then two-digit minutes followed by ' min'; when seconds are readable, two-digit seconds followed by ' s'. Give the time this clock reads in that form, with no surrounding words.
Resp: 2 h 21 min
